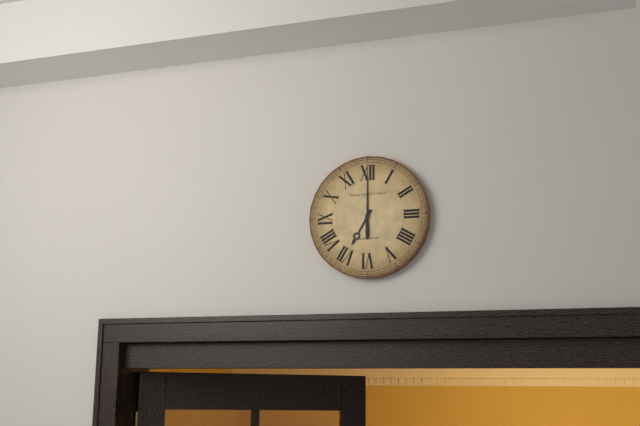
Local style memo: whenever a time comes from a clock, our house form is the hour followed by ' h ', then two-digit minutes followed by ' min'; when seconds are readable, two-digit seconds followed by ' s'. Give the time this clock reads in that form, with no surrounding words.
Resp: 7 h 00 min
